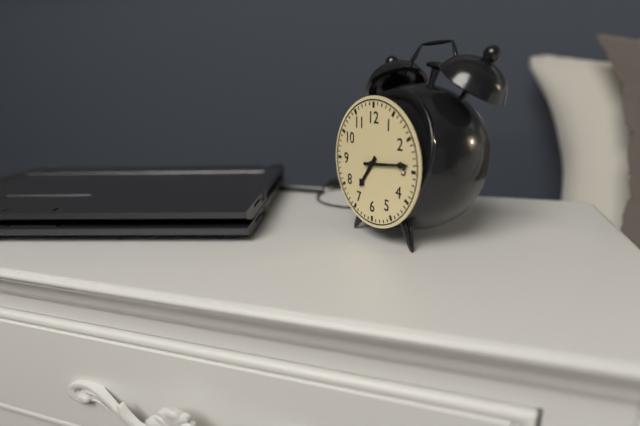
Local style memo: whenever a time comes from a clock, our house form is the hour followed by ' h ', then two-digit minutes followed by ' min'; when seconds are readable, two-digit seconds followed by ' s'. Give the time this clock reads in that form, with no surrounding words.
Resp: 7 h 14 min
